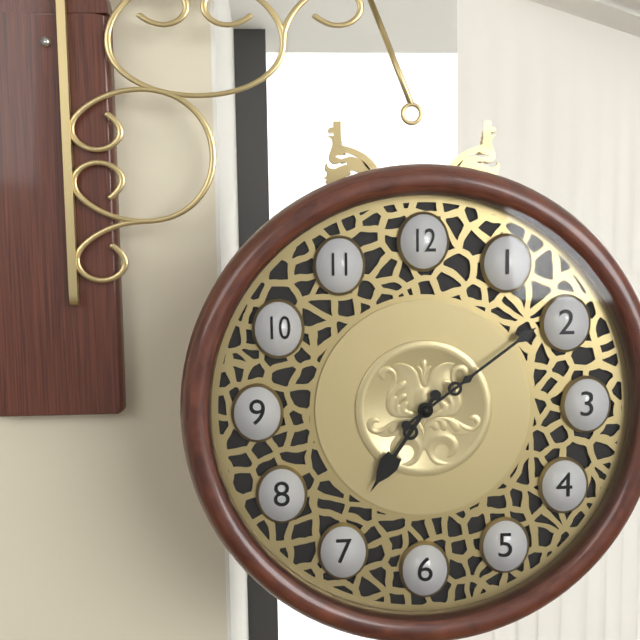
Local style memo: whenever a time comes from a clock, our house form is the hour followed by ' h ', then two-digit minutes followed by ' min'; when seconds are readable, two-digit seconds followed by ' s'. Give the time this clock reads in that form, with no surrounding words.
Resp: 7 h 09 min
